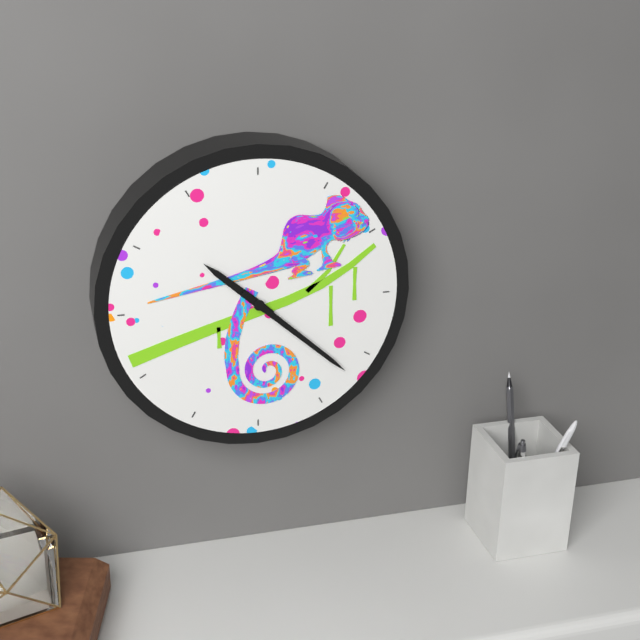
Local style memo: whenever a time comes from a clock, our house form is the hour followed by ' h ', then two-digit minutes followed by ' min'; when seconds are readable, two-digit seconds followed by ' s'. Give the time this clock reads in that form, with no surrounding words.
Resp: 10 h 22 min
